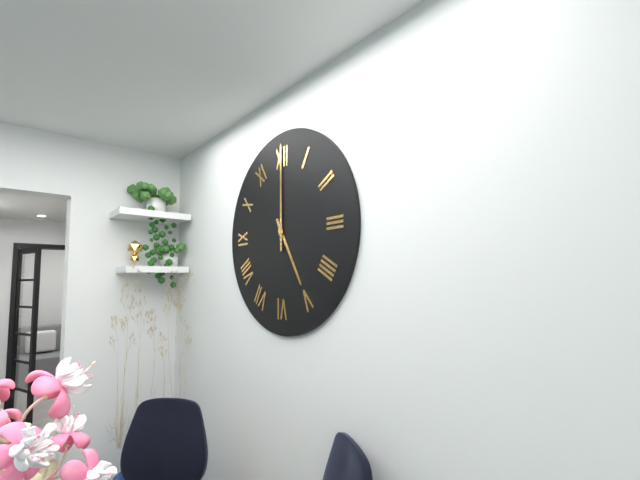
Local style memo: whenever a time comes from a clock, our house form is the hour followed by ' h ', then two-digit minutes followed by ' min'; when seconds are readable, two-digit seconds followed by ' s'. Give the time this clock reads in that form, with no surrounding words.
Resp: 5 h 00 min
